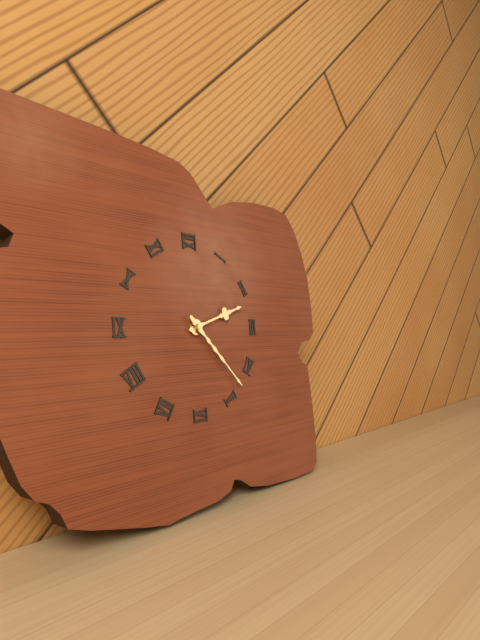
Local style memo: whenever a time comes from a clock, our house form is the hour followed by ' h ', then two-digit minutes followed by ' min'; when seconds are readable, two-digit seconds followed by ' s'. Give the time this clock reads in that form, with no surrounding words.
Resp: 2 h 23 min
